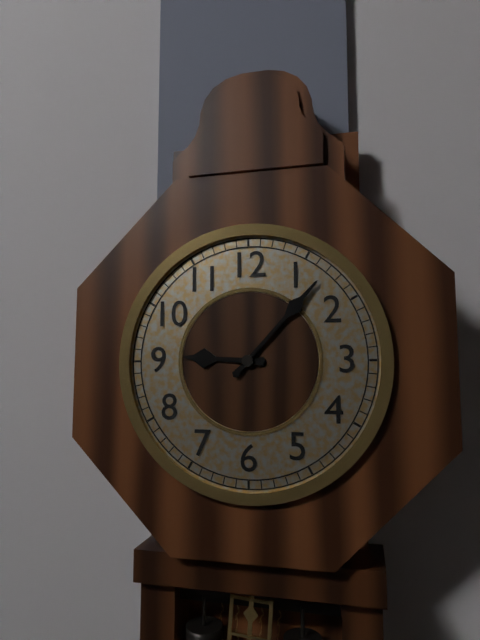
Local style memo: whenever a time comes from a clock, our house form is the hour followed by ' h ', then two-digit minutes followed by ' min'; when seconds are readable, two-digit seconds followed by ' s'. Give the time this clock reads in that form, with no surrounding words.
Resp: 9 h 07 min
